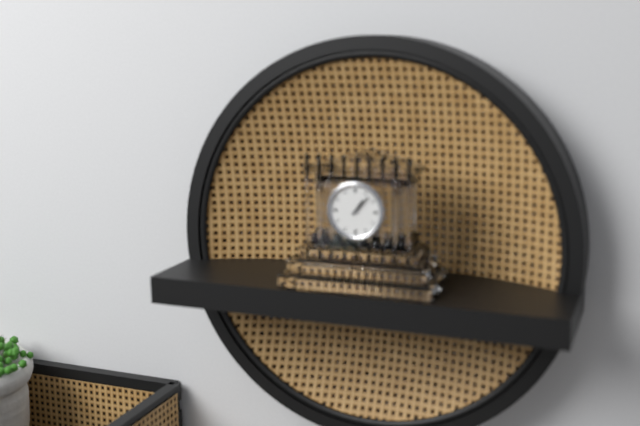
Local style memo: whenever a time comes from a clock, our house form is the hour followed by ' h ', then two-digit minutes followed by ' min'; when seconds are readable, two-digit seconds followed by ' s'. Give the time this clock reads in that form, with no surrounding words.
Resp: 1 h 07 min
